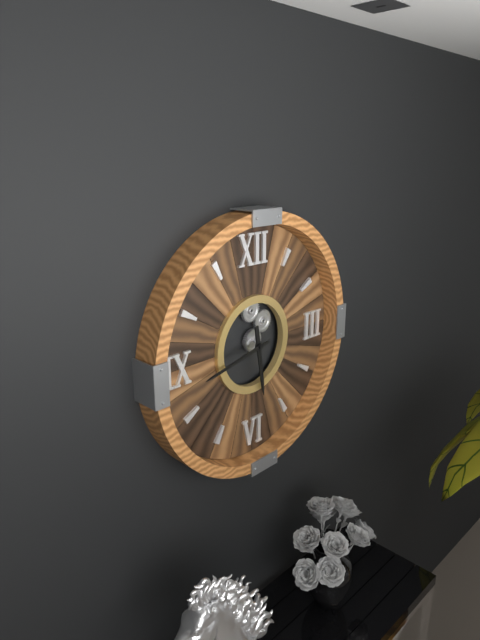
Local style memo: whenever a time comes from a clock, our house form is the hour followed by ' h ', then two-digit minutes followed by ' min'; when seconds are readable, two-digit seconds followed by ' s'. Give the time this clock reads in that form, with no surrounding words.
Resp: 5 h 43 min
